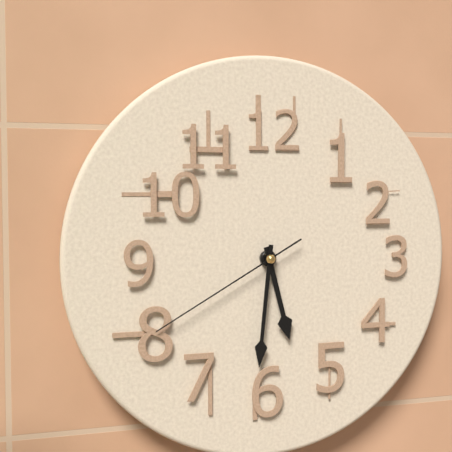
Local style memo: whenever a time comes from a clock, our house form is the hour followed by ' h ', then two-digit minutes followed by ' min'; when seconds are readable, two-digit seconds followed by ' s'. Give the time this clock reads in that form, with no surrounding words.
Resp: 5 h 31 min 40 s
